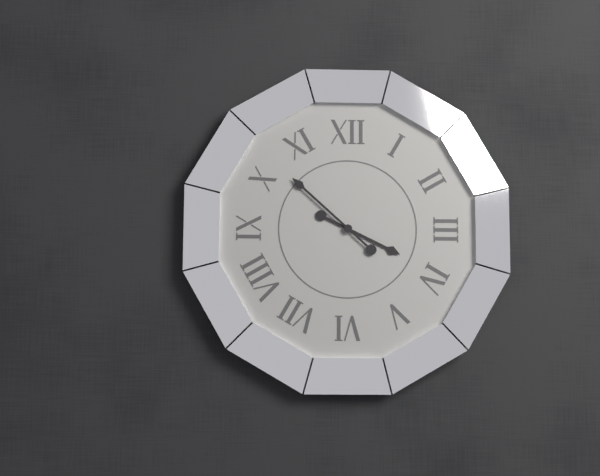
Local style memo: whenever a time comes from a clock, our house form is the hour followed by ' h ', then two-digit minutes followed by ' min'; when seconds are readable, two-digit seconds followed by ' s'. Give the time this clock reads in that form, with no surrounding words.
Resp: 3 h 52 min
